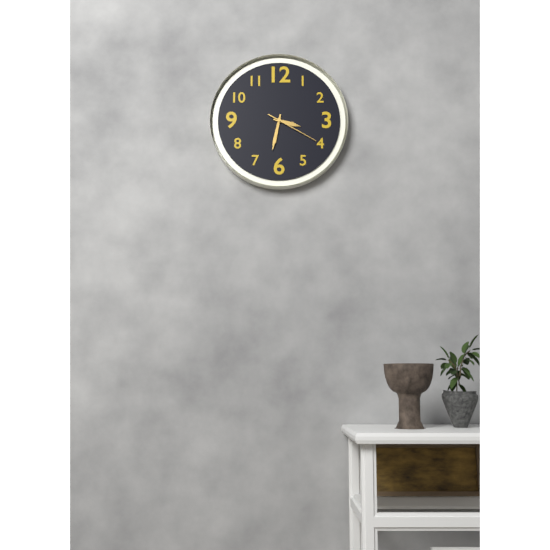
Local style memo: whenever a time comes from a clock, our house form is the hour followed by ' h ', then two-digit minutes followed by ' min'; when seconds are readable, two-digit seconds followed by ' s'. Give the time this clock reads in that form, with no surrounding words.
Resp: 3 h 32 min 20 s
